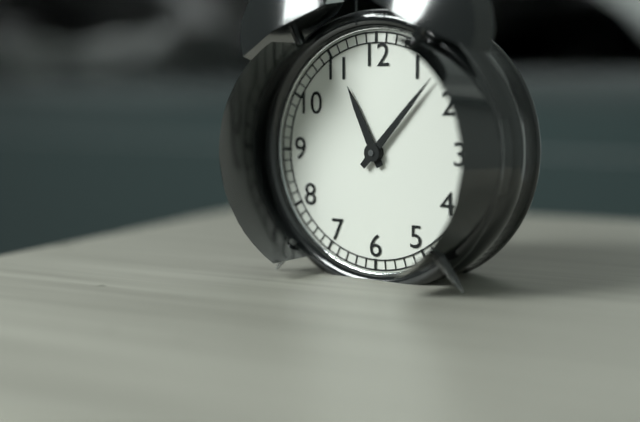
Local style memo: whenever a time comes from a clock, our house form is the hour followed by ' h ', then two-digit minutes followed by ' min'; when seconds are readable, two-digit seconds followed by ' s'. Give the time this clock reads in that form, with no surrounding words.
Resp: 11 h 07 min
